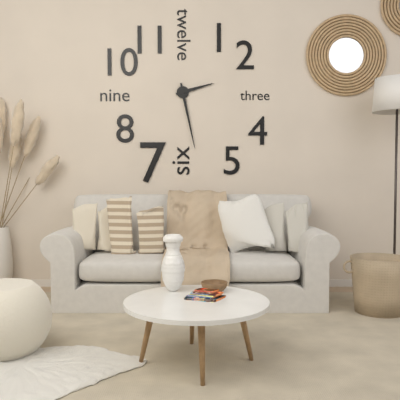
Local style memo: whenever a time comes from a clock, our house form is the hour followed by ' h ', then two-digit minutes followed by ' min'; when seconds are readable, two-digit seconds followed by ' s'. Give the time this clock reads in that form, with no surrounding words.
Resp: 2 h 28 min
